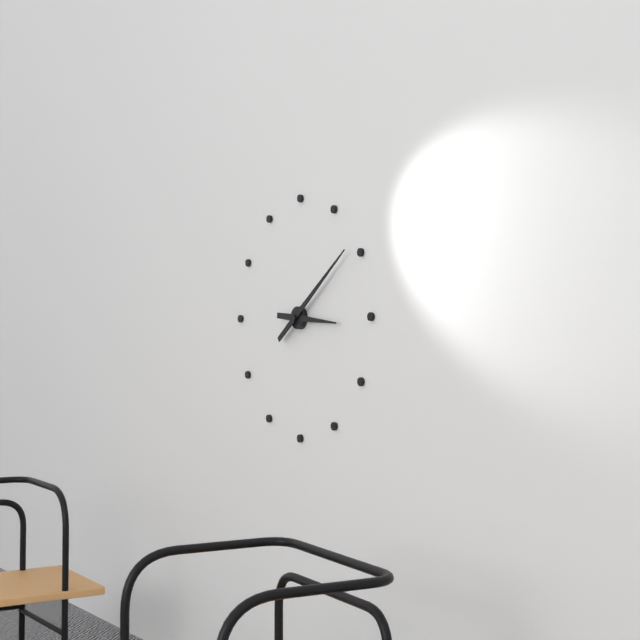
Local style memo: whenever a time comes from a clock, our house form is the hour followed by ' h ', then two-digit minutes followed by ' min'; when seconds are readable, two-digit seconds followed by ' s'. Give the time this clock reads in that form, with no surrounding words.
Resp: 3 h 09 min
